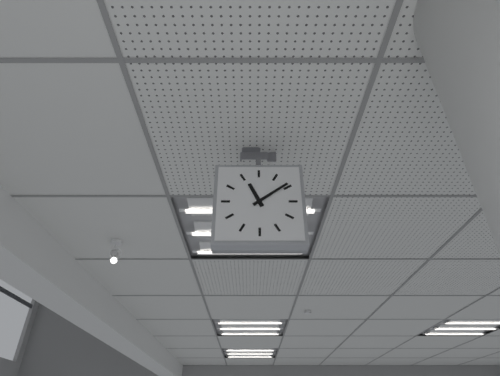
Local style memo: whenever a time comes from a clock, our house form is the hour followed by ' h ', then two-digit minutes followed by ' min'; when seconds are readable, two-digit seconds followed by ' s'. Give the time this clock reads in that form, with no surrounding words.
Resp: 11 h 09 min
